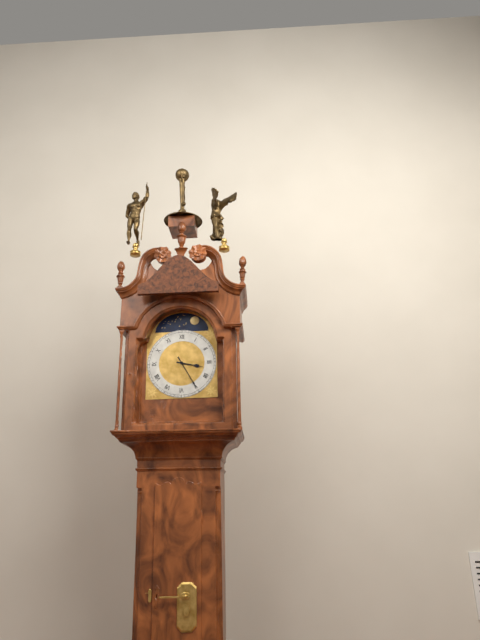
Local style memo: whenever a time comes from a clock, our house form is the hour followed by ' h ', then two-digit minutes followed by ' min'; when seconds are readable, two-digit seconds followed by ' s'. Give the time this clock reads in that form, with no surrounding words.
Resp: 3 h 25 min
